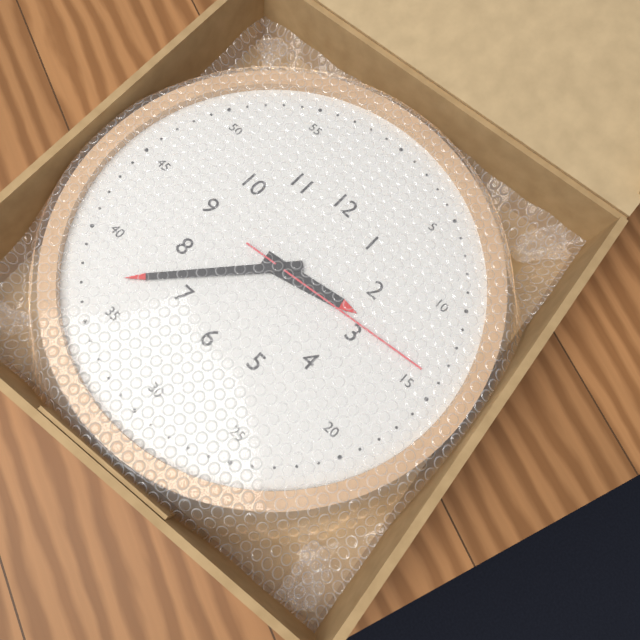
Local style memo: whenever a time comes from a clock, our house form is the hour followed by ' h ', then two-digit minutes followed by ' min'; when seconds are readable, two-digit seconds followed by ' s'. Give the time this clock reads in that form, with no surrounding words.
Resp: 2 h 37 min 14 s
